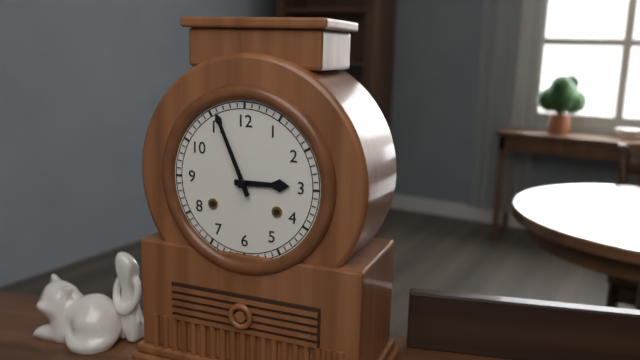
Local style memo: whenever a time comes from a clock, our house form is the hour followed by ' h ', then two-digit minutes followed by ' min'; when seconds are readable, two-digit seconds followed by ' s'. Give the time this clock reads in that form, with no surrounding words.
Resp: 2 h 56 min
